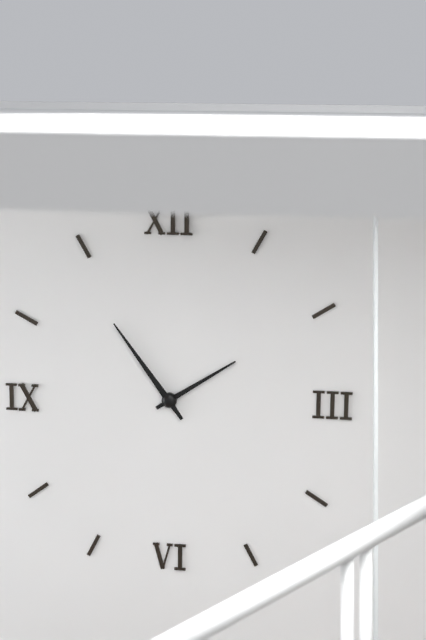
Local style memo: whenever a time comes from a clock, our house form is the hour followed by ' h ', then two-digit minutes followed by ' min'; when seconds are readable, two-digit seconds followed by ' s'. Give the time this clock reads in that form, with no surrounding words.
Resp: 1 h 54 min
